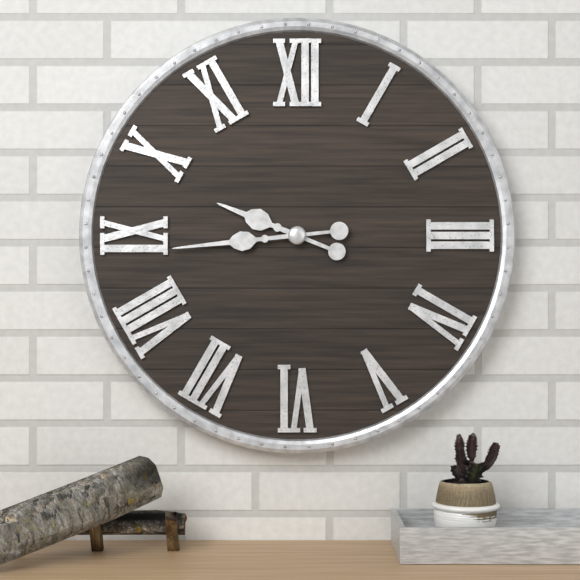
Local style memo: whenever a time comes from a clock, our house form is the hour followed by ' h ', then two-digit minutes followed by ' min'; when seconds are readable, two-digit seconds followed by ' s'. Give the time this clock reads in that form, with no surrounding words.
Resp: 9 h 44 min
